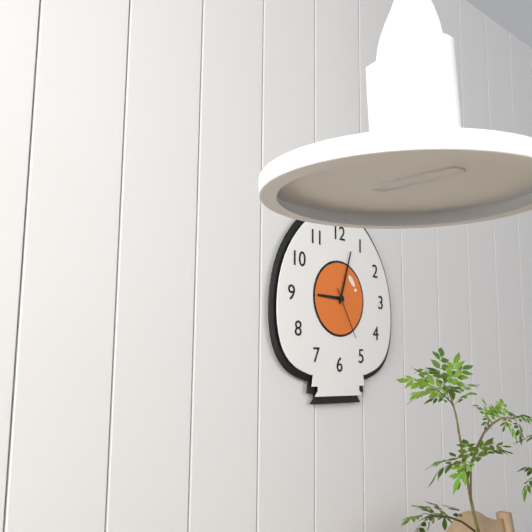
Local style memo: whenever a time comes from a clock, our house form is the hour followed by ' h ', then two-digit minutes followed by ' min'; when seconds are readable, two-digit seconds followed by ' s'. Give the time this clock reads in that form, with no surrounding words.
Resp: 9 h 03 min 25 s
